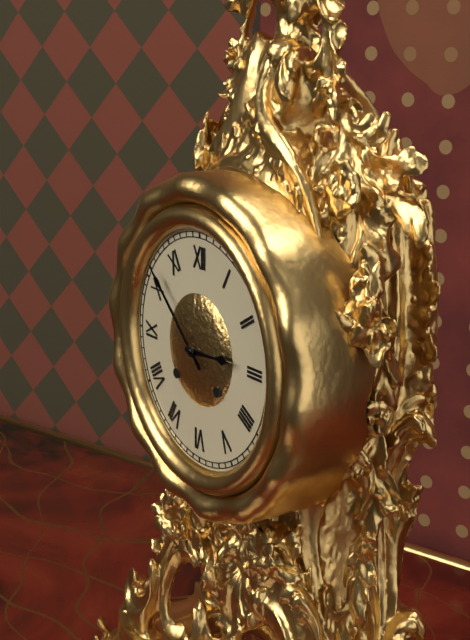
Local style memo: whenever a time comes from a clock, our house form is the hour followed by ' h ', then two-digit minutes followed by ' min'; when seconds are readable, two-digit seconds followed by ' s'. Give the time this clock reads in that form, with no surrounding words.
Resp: 2 h 52 min
